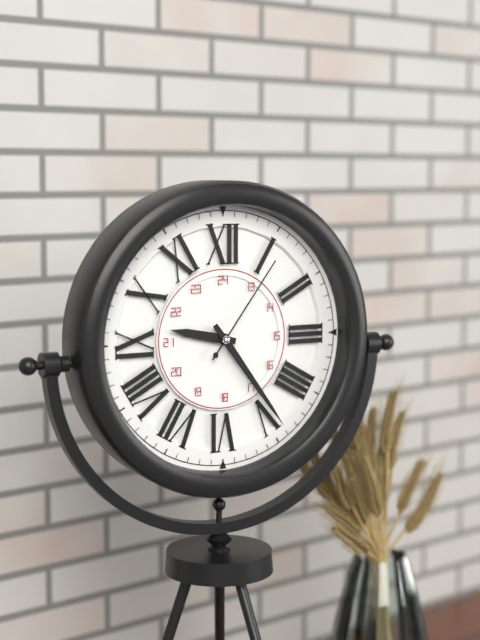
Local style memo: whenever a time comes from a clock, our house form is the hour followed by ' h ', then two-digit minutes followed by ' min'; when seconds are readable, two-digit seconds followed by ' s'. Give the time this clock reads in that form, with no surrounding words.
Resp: 9 h 24 min 06 s
